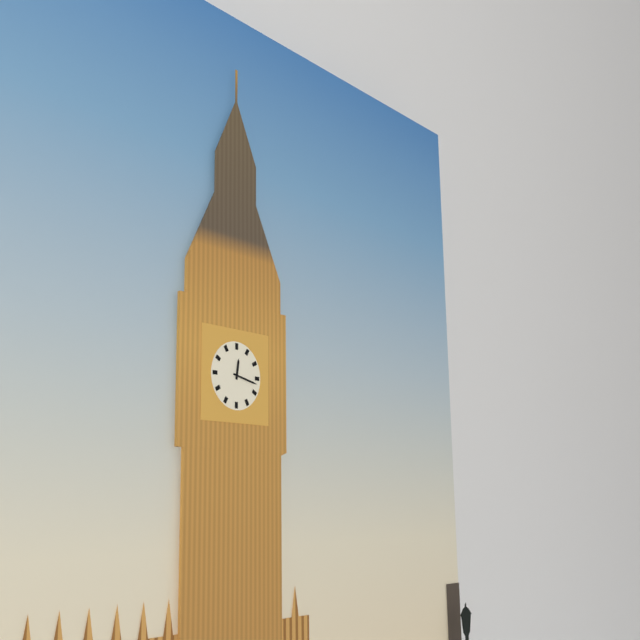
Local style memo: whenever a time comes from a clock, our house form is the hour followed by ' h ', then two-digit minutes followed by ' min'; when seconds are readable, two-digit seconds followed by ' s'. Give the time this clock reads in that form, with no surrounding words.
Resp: 12 h 17 min
